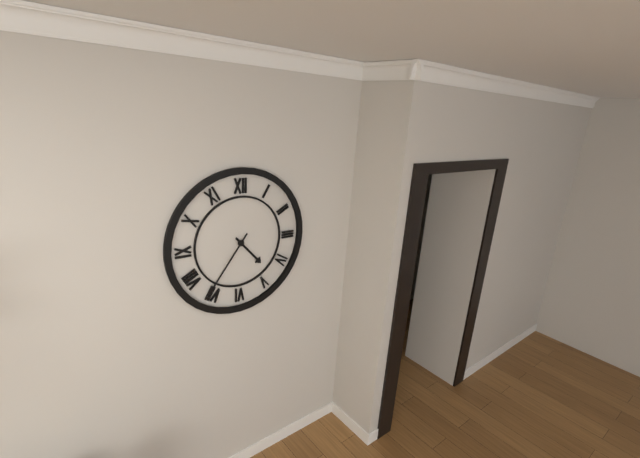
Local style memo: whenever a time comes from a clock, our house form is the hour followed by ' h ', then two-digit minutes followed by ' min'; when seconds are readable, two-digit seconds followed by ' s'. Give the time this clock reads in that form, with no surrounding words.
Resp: 4 h 36 min
